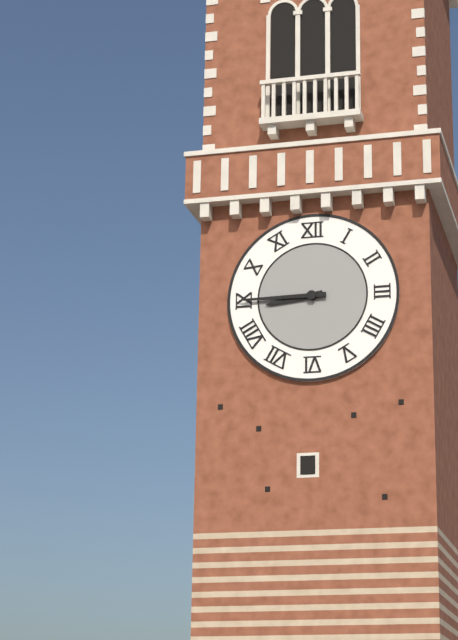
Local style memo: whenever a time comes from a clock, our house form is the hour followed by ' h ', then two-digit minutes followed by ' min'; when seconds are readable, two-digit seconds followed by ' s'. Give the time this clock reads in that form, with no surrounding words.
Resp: 8 h 45 min
